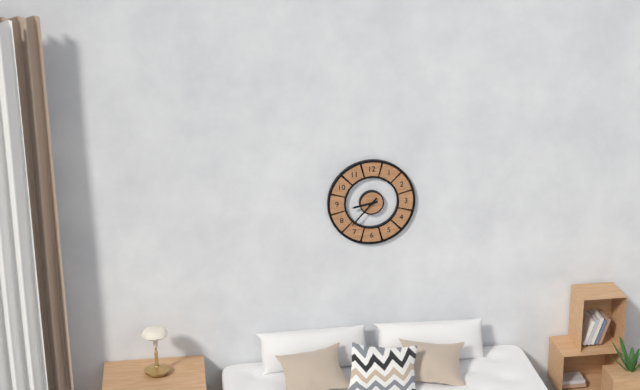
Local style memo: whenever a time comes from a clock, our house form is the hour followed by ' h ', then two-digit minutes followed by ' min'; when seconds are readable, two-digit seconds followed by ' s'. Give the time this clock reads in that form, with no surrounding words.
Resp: 8 h 37 min
